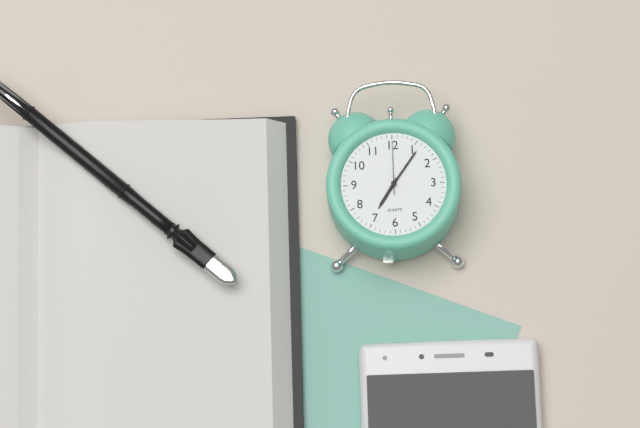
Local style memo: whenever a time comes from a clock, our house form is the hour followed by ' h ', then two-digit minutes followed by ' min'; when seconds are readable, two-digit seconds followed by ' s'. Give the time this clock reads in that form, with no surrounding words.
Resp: 7 h 06 min 00 s
